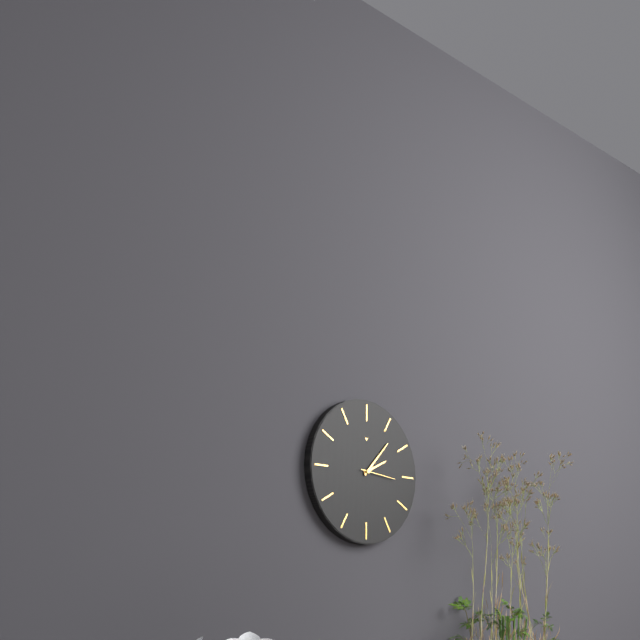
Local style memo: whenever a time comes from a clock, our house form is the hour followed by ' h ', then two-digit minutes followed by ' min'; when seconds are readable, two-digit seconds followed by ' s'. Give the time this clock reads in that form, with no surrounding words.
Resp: 2 h 07 min
